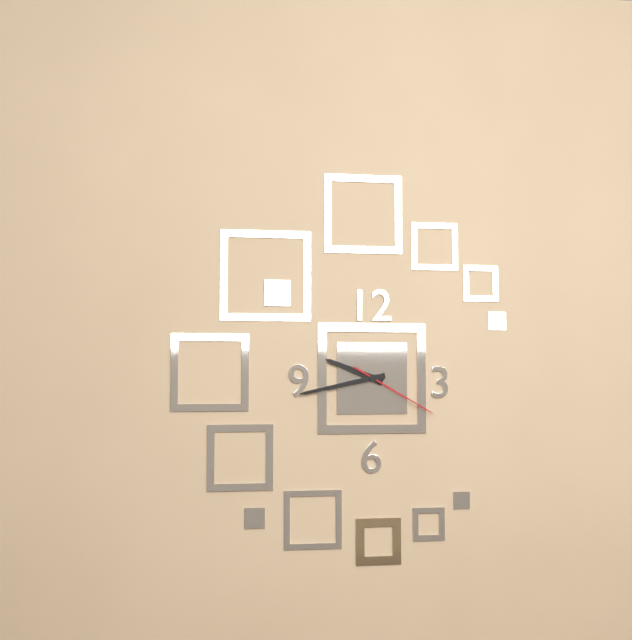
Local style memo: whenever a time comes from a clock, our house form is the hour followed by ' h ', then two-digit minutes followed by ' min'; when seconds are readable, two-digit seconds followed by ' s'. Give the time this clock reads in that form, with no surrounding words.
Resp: 9 h 43 min 20 s
